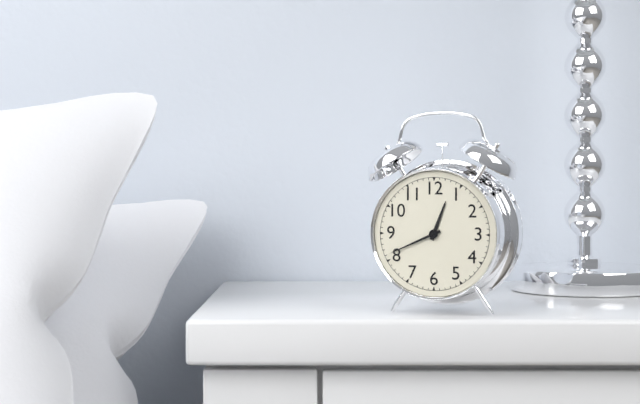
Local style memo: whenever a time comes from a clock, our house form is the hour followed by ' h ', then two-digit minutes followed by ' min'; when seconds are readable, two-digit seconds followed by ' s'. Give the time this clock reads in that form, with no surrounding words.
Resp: 12 h 41 min
